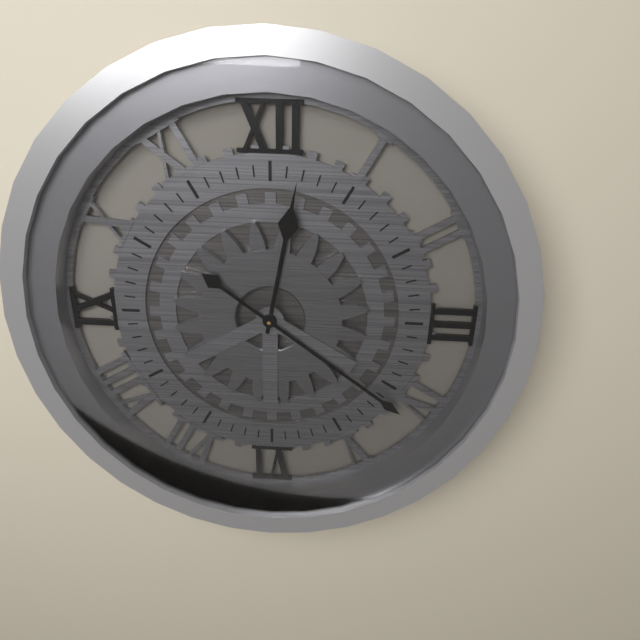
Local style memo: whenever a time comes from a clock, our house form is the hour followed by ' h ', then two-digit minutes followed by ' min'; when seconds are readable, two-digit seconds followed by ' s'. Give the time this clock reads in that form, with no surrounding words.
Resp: 12 h 21 min
